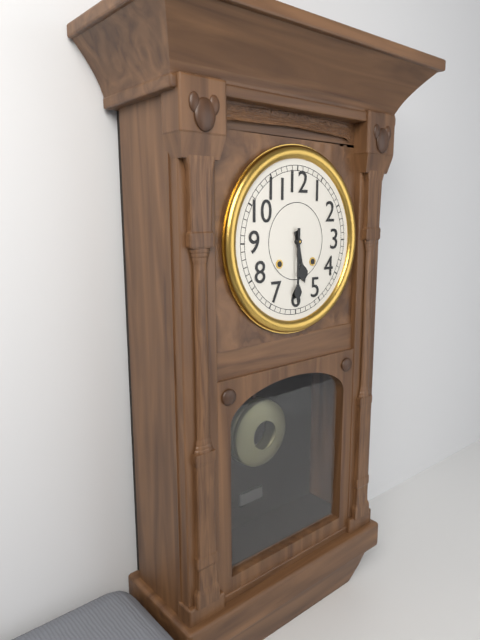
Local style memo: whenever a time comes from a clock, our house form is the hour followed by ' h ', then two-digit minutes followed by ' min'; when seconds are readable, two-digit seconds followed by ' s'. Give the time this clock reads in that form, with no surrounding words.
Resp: 5 h 30 min
